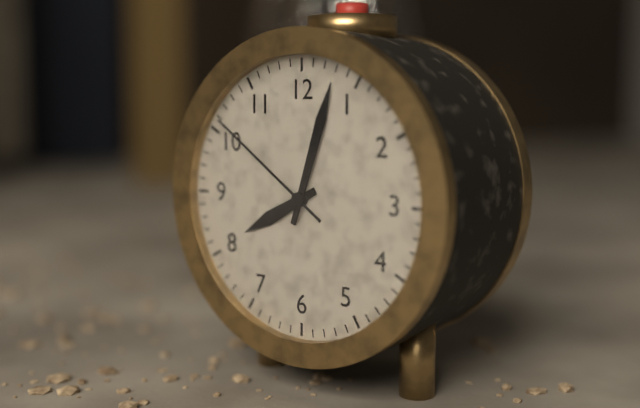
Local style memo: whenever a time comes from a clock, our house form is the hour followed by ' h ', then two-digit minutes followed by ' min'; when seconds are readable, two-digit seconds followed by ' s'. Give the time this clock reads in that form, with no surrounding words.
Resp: 8 h 03 min 51 s
